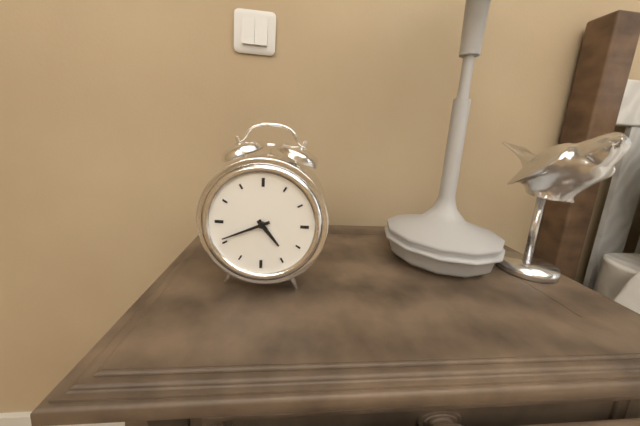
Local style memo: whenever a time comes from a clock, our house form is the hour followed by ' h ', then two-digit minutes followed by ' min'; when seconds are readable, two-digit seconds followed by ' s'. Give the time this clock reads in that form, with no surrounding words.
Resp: 4 h 41 min
